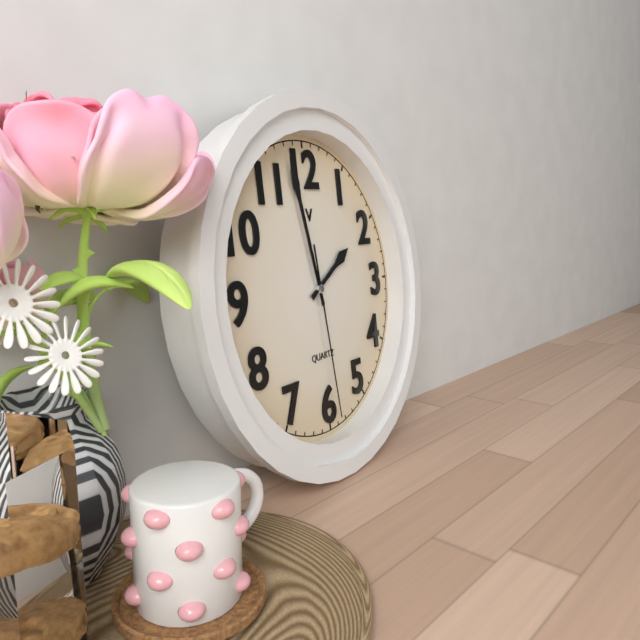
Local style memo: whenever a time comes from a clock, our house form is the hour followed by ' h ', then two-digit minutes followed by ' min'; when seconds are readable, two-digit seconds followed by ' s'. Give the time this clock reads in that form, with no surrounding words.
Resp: 1 h 58 min 29 s
